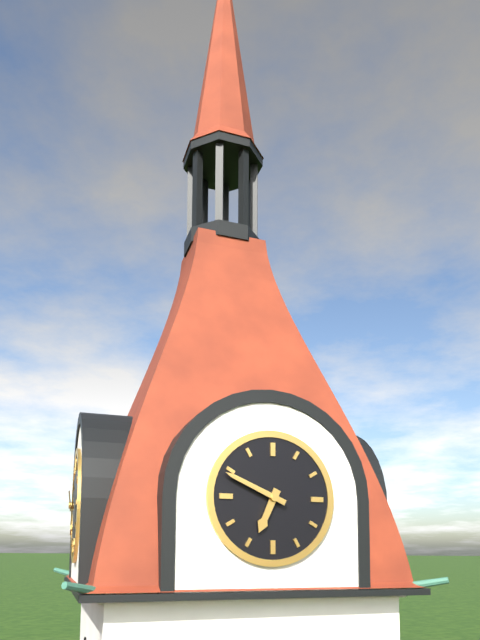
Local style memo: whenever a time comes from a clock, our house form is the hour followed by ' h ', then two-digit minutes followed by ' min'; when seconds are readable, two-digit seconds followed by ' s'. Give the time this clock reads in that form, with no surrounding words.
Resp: 6 h 49 min
